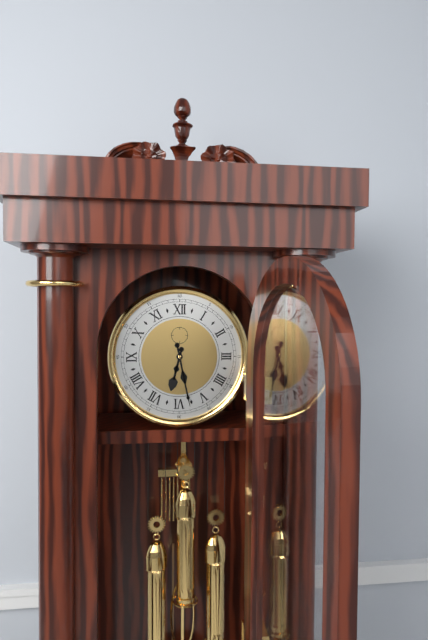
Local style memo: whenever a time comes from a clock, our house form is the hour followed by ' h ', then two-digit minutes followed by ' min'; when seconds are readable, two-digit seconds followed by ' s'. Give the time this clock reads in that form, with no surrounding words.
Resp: 6 h 28 min
